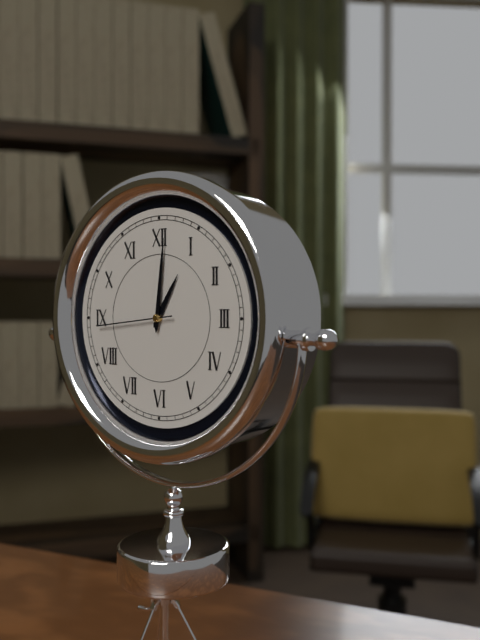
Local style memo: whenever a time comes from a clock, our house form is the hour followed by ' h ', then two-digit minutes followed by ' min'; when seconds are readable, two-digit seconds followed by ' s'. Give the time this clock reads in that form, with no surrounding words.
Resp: 1 h 01 min 44 s
